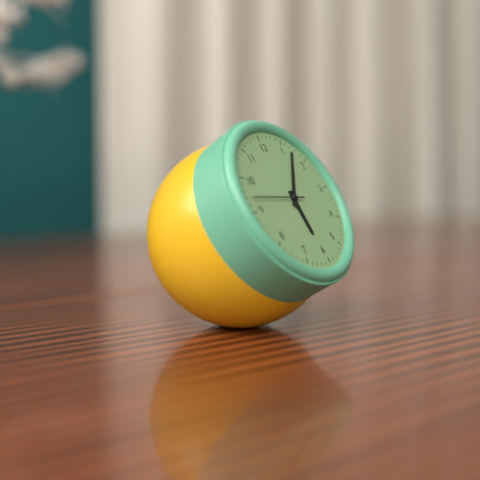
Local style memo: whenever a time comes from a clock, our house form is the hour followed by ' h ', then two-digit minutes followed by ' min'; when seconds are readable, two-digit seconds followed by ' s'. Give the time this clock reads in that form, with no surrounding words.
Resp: 6 h 07 min 47 s
